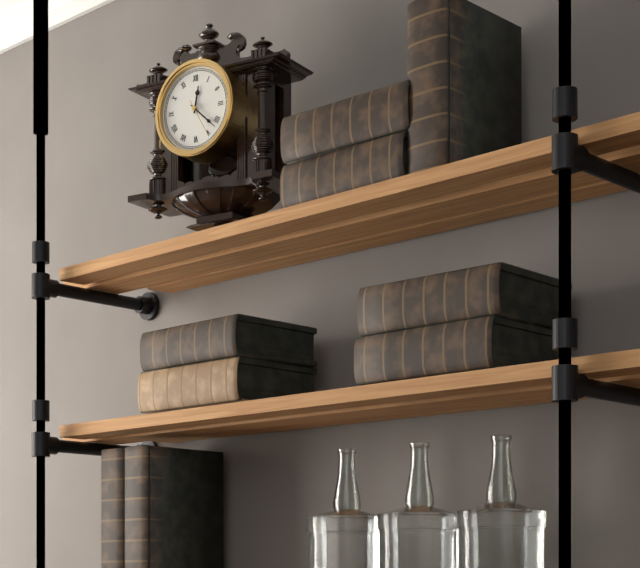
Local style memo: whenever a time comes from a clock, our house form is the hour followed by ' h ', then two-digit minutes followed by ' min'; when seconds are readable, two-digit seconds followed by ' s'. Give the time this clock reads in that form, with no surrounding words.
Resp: 12 h 22 min
